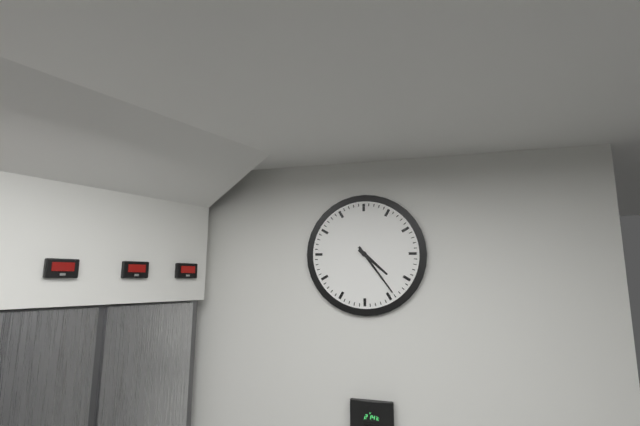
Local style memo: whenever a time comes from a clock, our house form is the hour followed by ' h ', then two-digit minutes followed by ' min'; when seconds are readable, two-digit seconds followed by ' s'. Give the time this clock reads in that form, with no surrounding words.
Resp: 4 h 24 min
